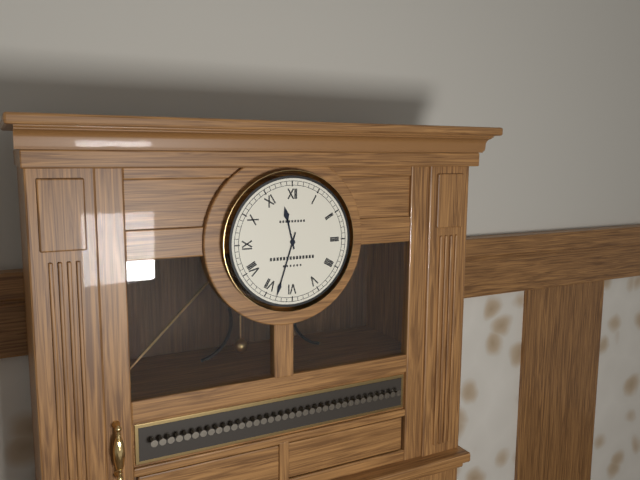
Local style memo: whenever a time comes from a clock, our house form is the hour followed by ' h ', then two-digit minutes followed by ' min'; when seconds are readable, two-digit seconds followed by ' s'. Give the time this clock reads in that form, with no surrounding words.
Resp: 11 h 33 min
